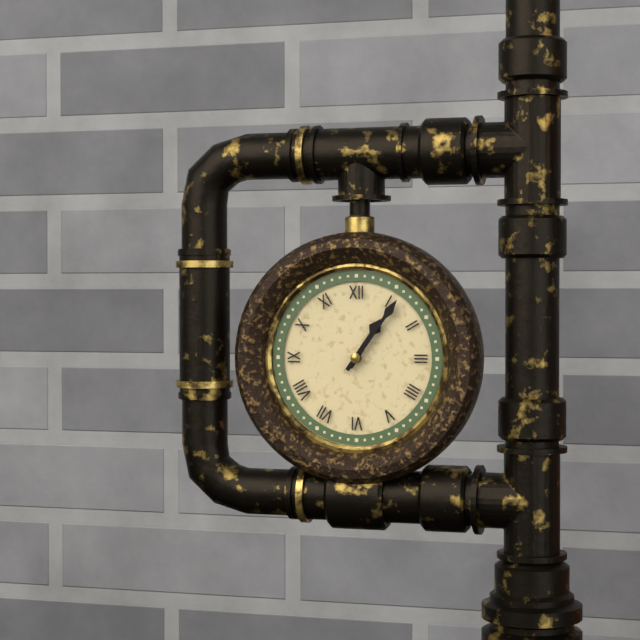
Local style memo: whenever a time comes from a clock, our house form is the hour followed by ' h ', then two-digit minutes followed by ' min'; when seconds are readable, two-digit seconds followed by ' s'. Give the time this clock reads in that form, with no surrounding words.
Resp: 1 h 06 min
